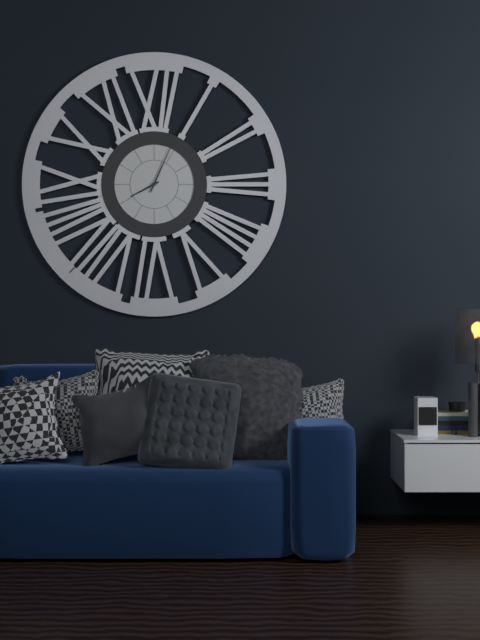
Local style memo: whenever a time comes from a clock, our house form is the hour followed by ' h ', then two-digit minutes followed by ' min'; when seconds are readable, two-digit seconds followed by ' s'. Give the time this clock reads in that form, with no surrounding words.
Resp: 8 h 04 min
